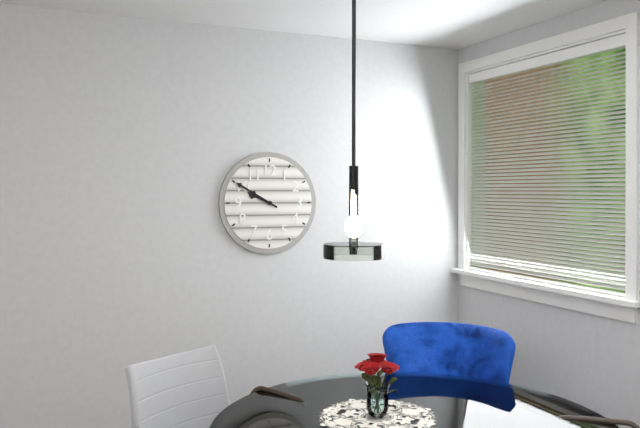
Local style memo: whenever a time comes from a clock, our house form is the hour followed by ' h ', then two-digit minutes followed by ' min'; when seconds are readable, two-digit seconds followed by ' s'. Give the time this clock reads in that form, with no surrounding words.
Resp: 9 h 50 min
